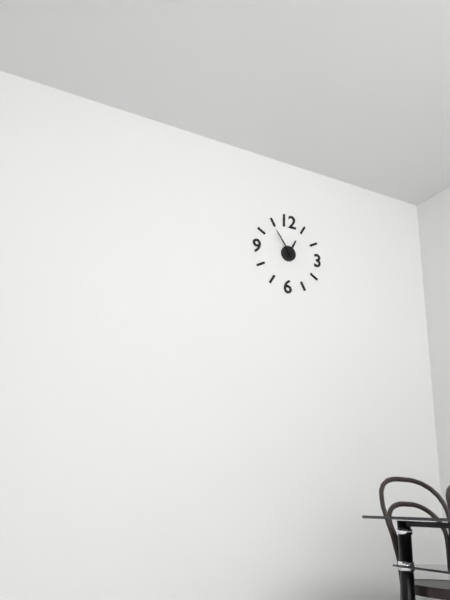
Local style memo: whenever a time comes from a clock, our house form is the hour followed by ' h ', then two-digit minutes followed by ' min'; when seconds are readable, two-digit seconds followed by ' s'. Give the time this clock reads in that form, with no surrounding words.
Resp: 12 h 54 min
